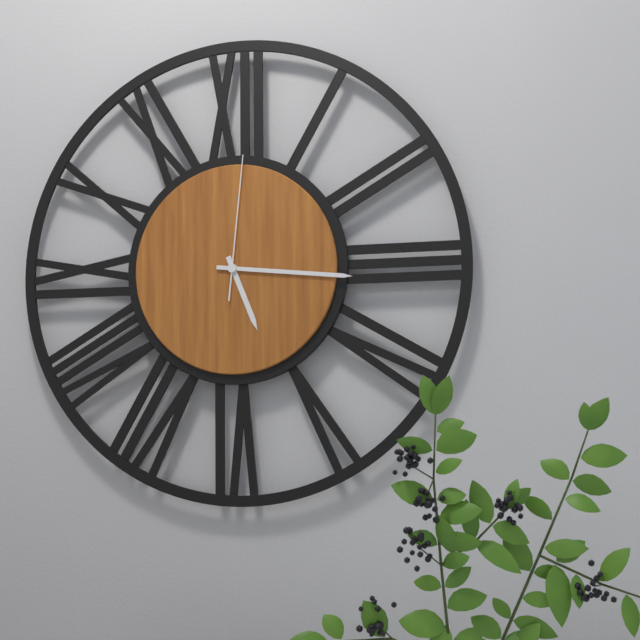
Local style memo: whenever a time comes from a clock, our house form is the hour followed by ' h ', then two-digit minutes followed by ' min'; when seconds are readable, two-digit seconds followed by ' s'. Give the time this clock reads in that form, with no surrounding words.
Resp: 5 h 16 min 01 s
